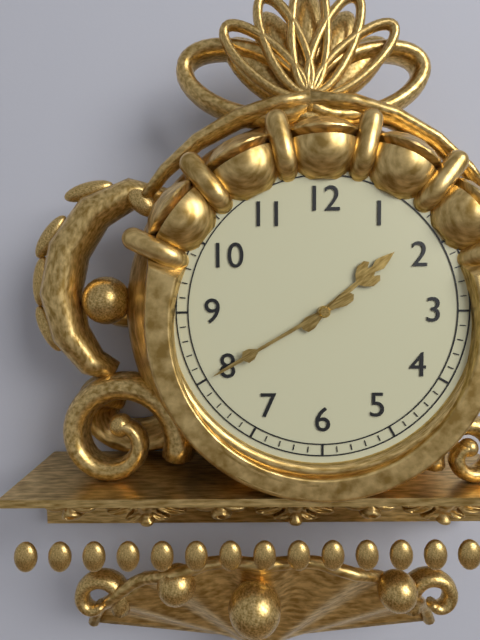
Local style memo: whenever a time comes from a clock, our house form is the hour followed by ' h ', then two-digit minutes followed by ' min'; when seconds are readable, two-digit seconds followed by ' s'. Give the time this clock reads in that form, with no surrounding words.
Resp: 1 h 40 min
